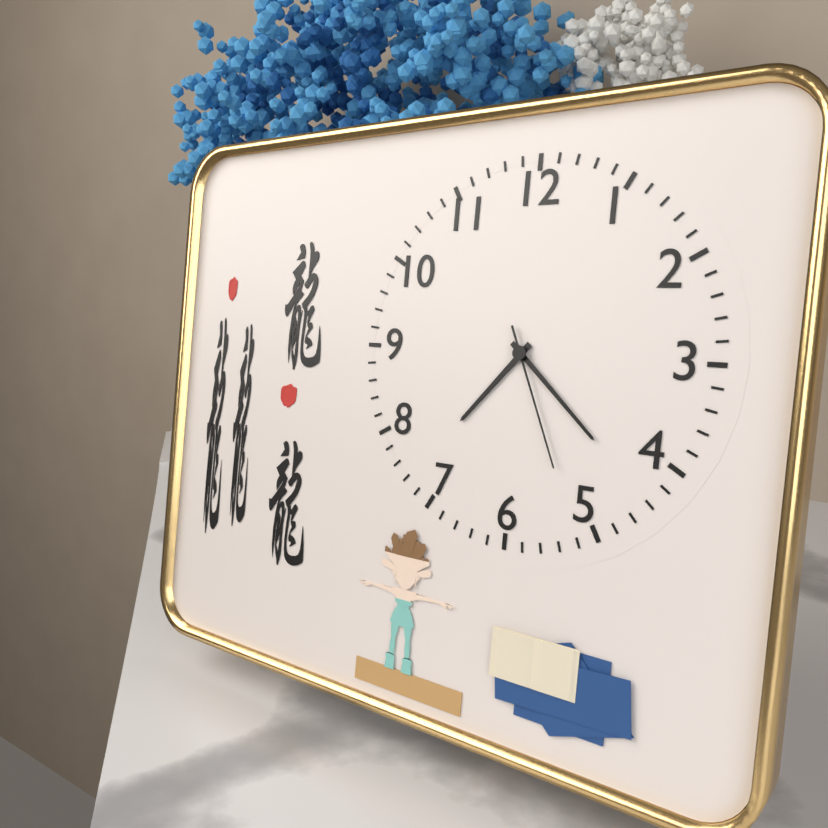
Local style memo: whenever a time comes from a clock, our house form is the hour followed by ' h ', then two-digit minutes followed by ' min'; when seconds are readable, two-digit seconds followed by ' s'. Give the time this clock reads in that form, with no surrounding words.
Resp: 7 h 22 min 26 s
